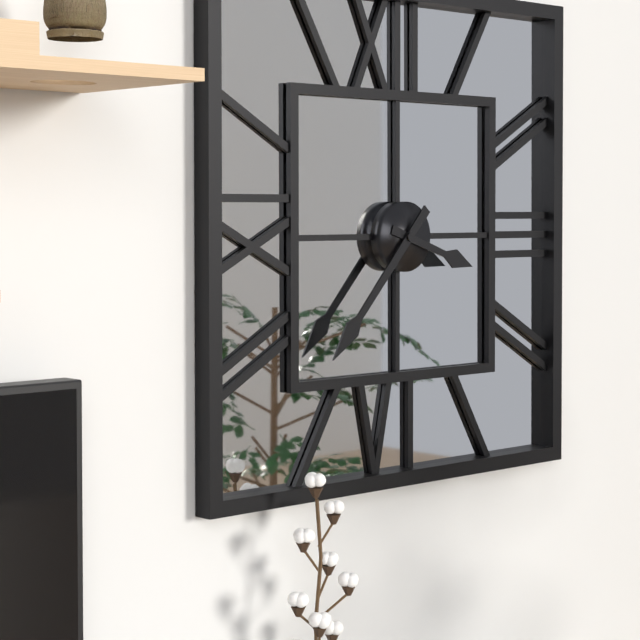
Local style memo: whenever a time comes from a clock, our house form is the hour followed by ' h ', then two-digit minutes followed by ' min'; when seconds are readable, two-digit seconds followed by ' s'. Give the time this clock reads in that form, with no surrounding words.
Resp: 3 h 37 min
